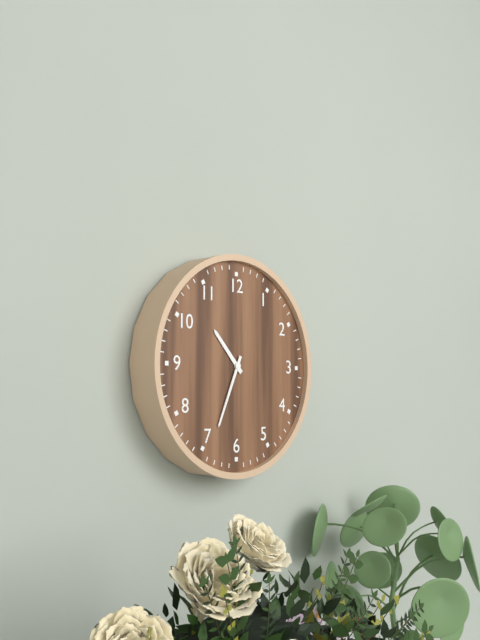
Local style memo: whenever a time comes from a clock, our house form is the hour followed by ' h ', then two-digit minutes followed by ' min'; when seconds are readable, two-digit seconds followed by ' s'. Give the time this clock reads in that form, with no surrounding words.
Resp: 10 h 34 min
